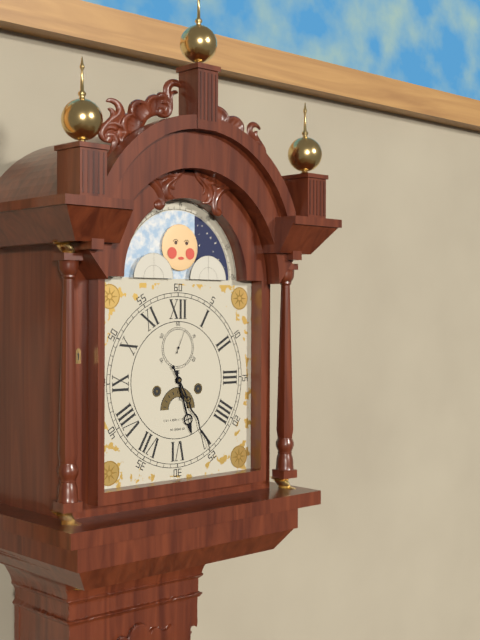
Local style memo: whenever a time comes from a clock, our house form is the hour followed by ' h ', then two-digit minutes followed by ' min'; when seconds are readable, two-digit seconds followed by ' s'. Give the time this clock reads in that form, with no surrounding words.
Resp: 5 h 25 min
